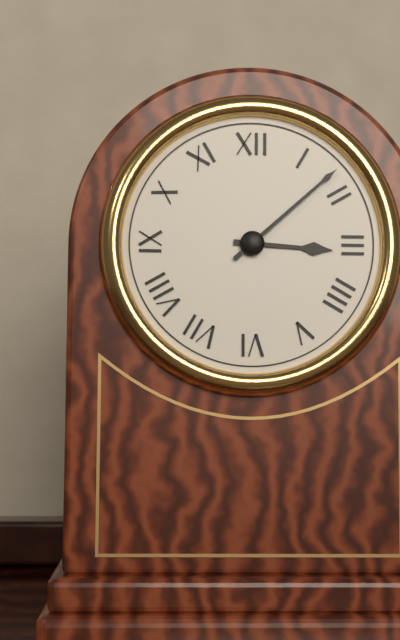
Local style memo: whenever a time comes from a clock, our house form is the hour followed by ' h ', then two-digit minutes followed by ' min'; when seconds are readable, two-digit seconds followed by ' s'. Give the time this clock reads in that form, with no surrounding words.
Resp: 3 h 08 min
